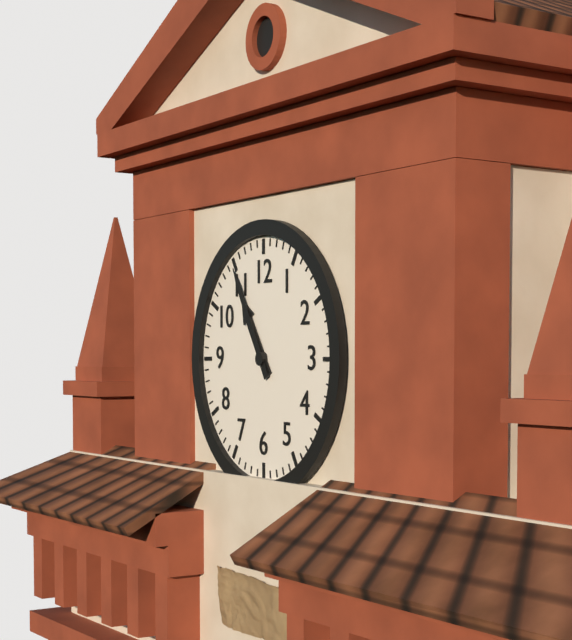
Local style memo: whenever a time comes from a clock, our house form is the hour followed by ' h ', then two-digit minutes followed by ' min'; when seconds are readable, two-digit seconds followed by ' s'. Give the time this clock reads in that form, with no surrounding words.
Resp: 10 h 55 min
